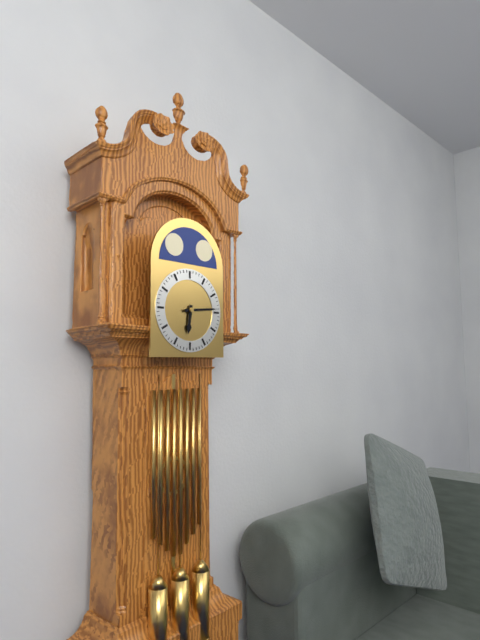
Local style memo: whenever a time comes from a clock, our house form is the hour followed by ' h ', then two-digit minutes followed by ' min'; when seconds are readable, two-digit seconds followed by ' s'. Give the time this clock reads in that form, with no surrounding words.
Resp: 6 h 14 min
